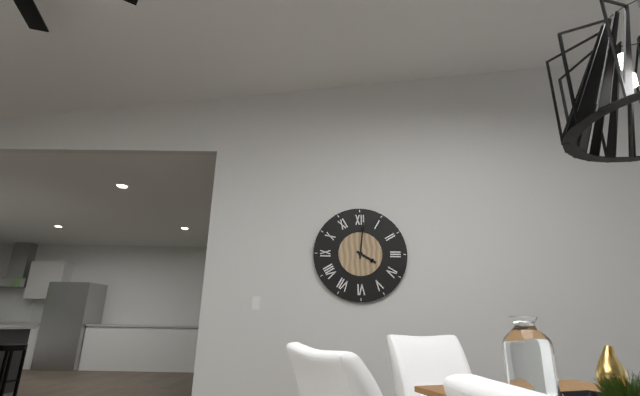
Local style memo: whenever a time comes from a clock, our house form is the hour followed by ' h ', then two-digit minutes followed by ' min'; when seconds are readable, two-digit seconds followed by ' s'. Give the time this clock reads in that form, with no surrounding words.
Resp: 4 h 01 min
